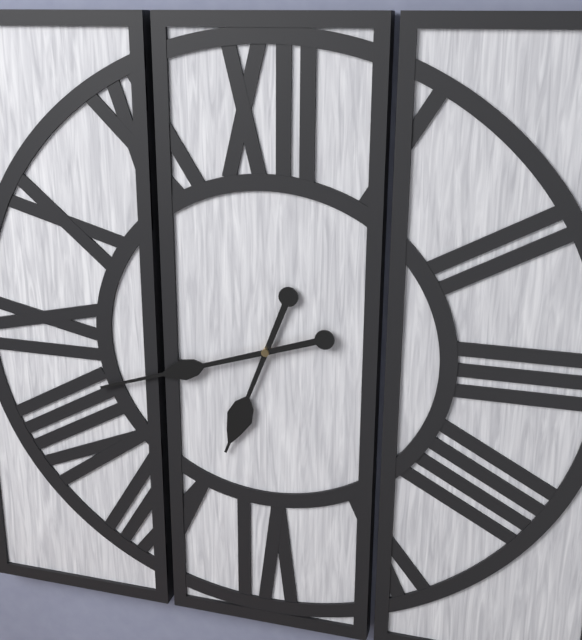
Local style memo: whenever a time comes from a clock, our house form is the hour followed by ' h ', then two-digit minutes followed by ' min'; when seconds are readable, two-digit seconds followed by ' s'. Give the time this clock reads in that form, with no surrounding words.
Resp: 6 h 42 min
